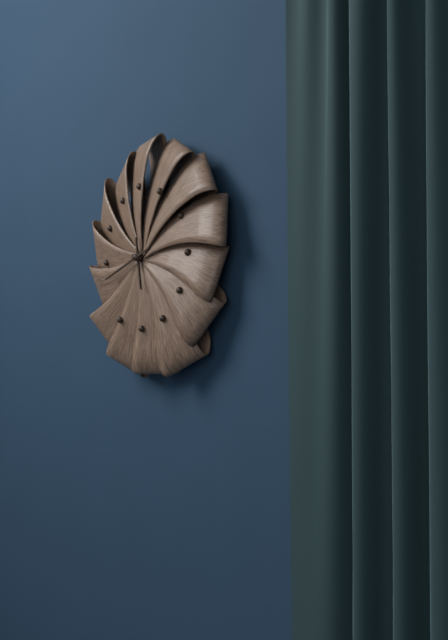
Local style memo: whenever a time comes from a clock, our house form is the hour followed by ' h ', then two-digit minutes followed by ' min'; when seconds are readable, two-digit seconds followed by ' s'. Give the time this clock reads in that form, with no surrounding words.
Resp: 5 h 42 min
